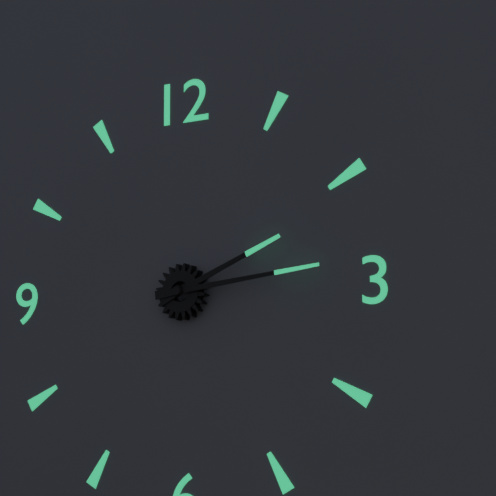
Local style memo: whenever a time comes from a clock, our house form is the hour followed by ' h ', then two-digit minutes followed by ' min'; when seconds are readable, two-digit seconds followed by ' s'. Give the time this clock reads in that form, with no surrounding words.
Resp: 2 h 14 min
